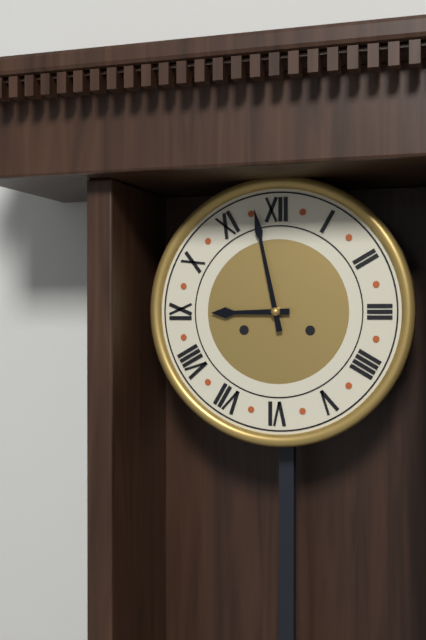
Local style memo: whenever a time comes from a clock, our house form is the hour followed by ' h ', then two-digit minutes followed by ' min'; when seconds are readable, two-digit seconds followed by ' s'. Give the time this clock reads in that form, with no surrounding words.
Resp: 8 h 58 min
